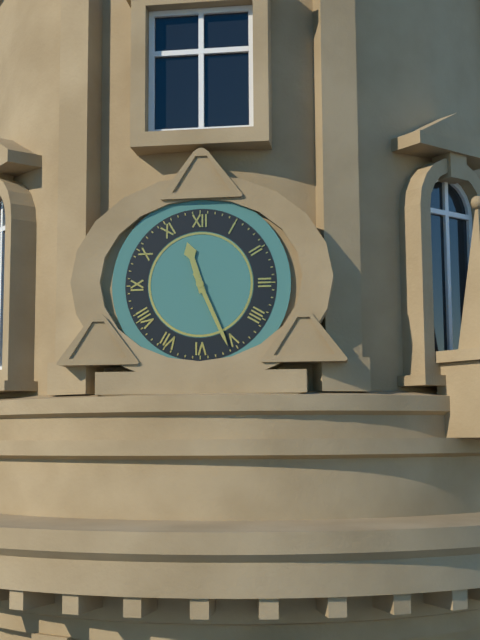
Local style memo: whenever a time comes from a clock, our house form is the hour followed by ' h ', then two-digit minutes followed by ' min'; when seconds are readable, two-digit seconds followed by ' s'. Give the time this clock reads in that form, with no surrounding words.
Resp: 11 h 26 min
